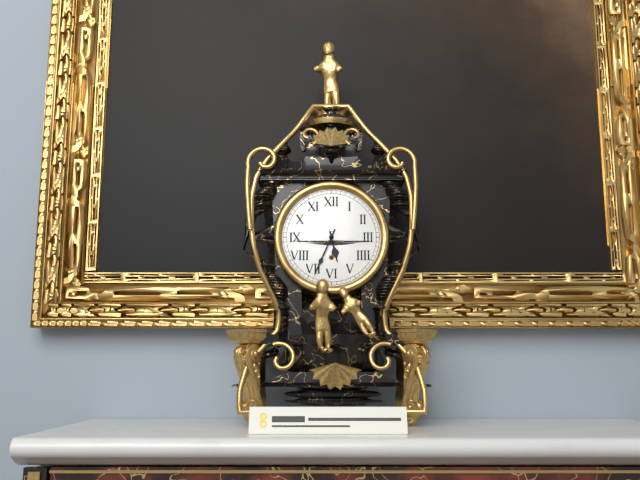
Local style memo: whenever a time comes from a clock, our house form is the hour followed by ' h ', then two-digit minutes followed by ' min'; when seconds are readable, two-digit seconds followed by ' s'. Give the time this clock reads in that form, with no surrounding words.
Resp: 5 h 34 min
